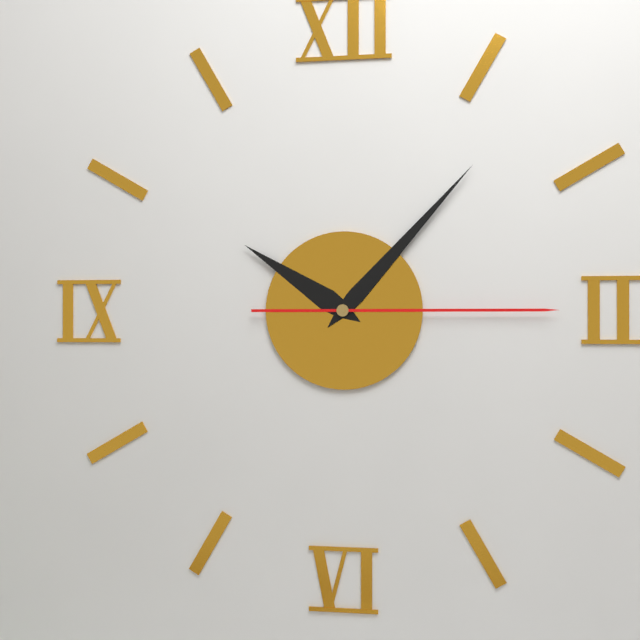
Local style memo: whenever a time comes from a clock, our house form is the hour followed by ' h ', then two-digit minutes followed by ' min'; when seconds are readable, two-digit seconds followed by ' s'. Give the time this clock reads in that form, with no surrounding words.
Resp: 10 h 07 min 15 s
